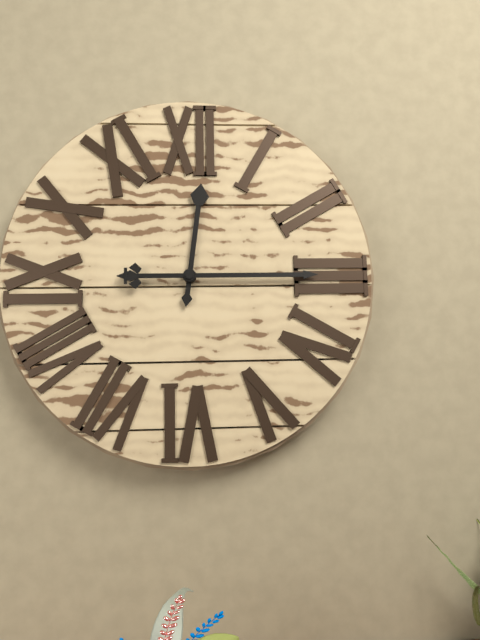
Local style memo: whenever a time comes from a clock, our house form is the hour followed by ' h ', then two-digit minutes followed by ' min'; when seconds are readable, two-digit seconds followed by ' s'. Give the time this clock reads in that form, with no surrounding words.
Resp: 12 h 15 min
